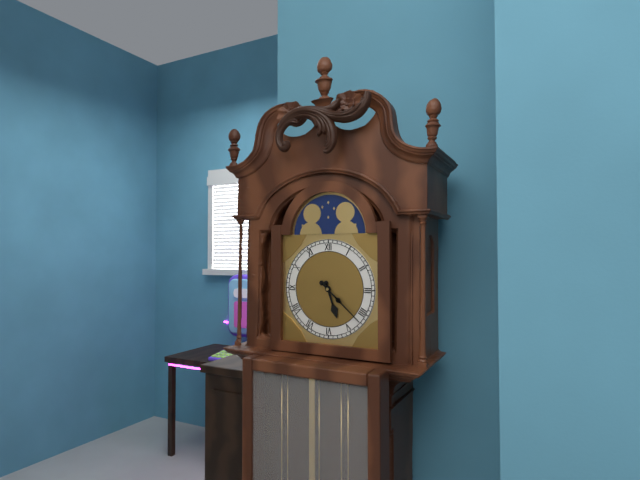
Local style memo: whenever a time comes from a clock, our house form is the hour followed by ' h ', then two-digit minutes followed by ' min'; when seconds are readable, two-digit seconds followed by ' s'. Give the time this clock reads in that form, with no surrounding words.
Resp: 5 h 22 min
